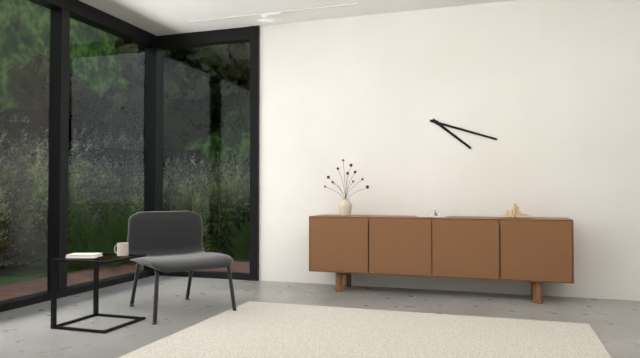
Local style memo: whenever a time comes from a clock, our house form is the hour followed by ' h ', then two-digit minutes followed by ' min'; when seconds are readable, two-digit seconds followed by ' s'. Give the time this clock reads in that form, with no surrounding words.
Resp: 4 h 18 min
